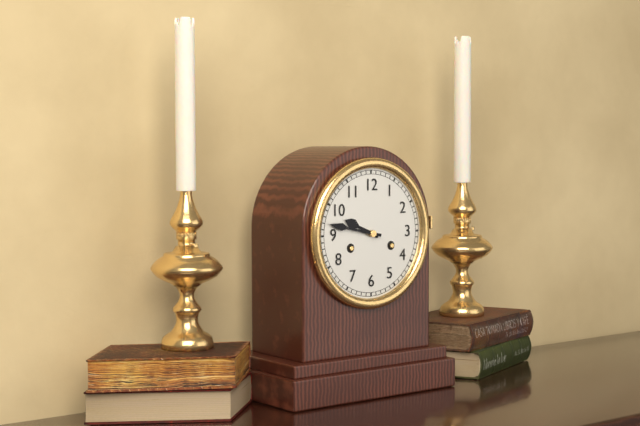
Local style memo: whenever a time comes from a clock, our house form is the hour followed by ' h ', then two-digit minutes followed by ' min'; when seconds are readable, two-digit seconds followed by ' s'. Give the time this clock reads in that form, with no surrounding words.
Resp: 9 h 47 min
